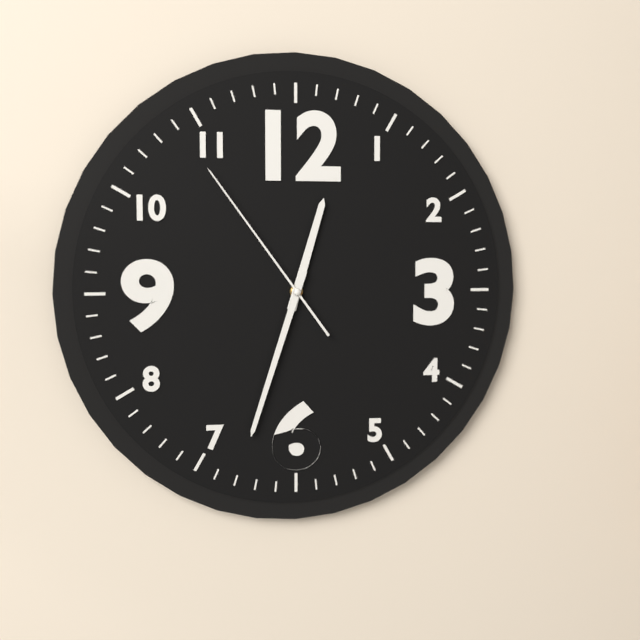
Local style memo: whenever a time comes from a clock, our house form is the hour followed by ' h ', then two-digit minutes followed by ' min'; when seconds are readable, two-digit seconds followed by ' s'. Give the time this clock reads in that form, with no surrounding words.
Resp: 12 h 33 min 54 s
